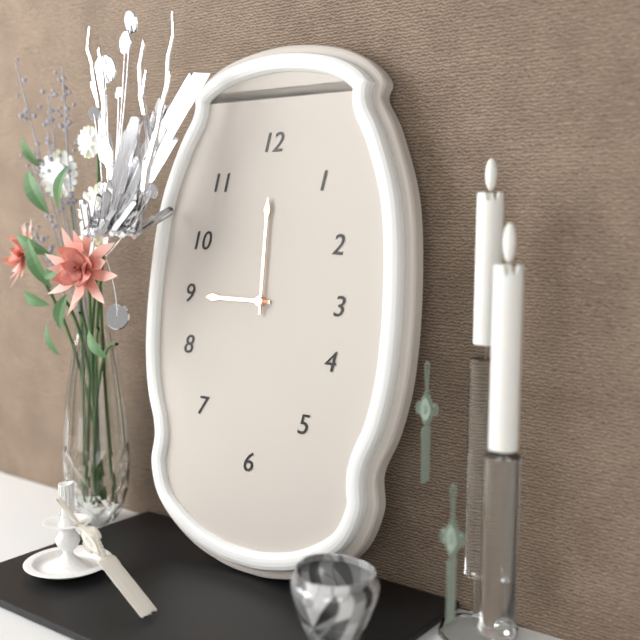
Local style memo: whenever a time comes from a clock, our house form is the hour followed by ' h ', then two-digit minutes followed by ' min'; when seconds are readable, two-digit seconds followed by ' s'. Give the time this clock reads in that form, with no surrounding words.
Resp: 9 h 00 min
